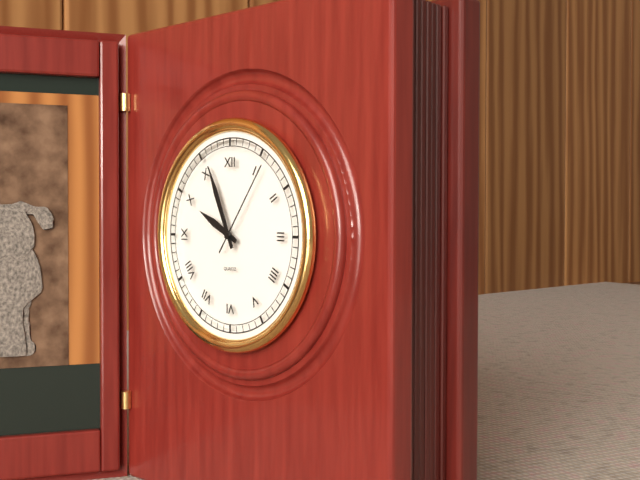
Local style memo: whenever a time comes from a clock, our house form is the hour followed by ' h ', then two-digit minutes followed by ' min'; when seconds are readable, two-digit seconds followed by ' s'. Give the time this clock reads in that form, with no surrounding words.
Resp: 9 h 56 min 06 s
